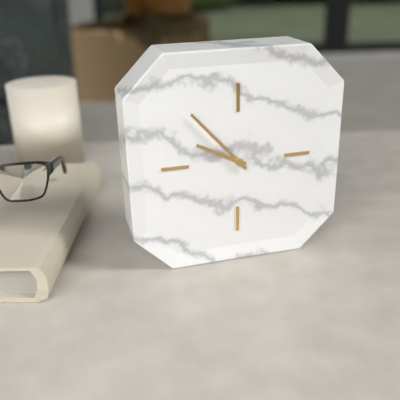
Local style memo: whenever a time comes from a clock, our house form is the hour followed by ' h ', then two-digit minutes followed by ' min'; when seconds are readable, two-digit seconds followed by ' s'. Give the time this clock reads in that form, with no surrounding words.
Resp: 9 h 53 min
